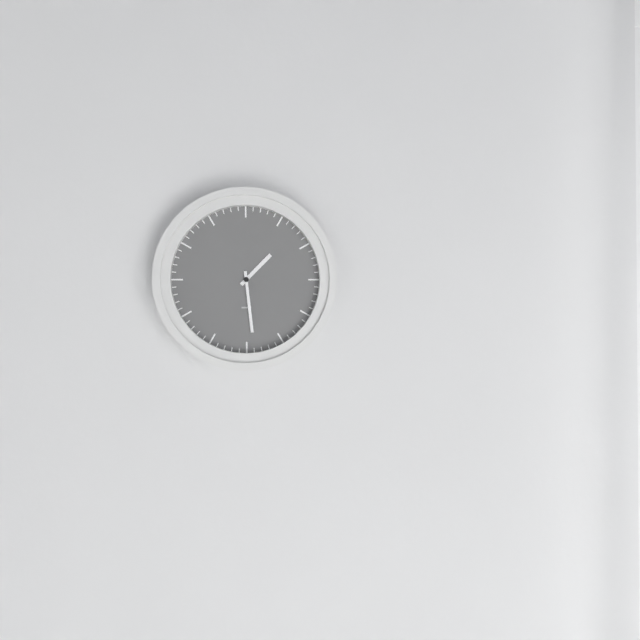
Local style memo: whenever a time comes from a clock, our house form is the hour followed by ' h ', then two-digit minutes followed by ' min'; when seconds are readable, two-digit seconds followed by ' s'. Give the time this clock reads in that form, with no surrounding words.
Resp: 1 h 29 min
